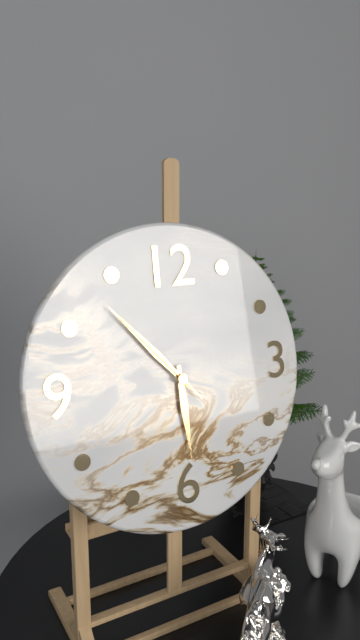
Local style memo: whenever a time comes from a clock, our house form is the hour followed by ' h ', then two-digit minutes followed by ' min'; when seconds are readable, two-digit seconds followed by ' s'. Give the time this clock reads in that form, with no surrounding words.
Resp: 5 h 53 min 53 s
